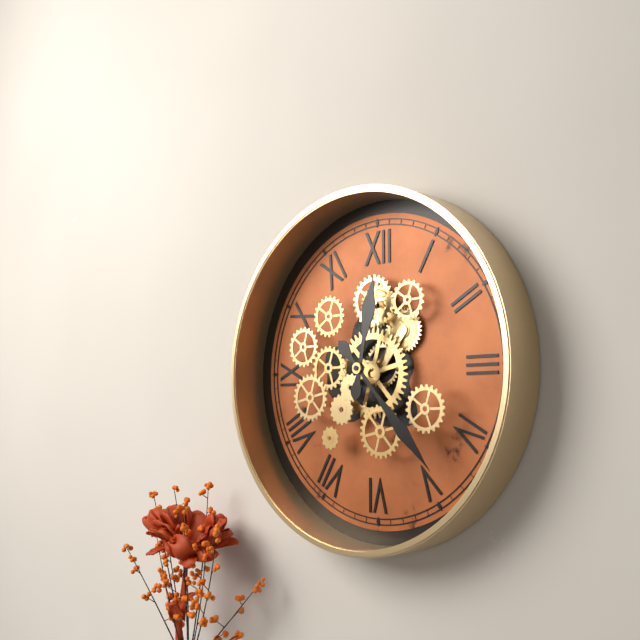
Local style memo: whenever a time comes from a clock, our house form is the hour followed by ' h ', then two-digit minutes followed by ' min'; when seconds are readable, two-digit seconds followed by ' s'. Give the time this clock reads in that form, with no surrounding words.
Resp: 12 h 23 min
